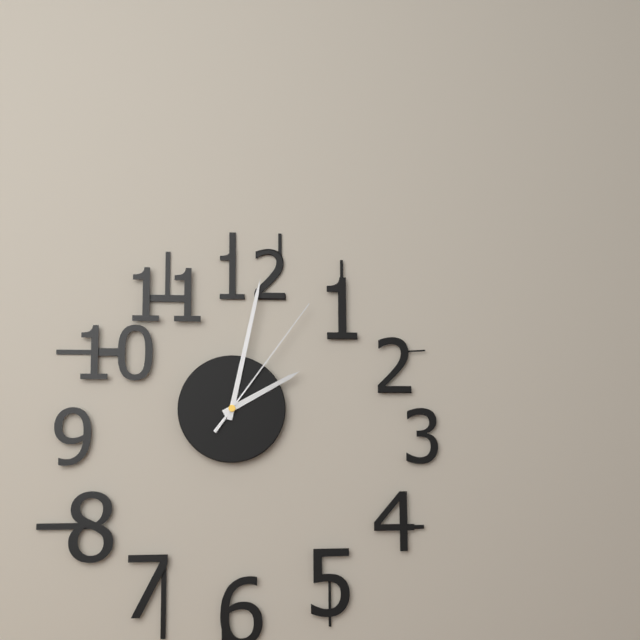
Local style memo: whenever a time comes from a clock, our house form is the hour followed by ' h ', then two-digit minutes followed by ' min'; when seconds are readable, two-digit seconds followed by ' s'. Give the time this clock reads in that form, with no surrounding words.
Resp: 2 h 02 min 06 s
